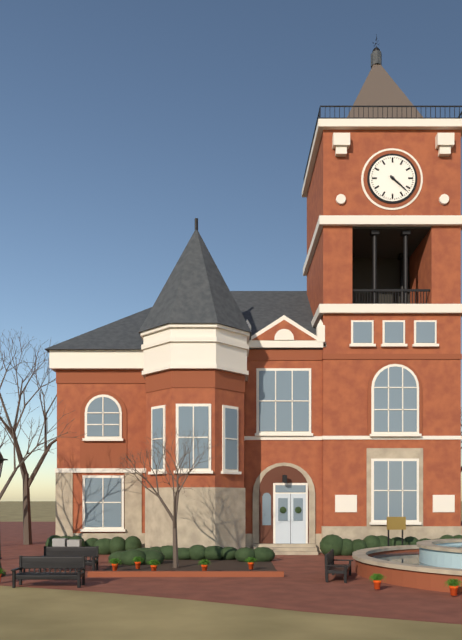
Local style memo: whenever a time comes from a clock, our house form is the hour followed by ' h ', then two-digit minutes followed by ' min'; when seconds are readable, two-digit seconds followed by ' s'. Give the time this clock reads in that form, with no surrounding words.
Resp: 4 h 22 min
